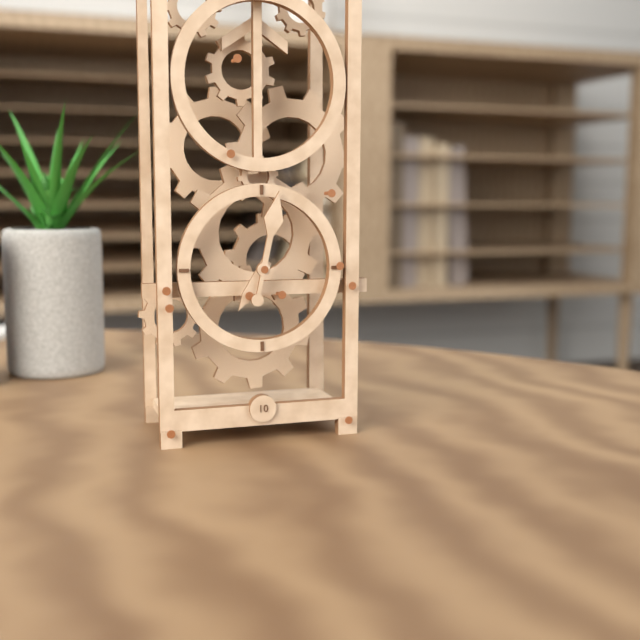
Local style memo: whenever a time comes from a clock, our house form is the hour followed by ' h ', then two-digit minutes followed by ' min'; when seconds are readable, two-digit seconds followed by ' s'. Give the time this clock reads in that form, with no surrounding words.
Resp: 7 h 02 min
